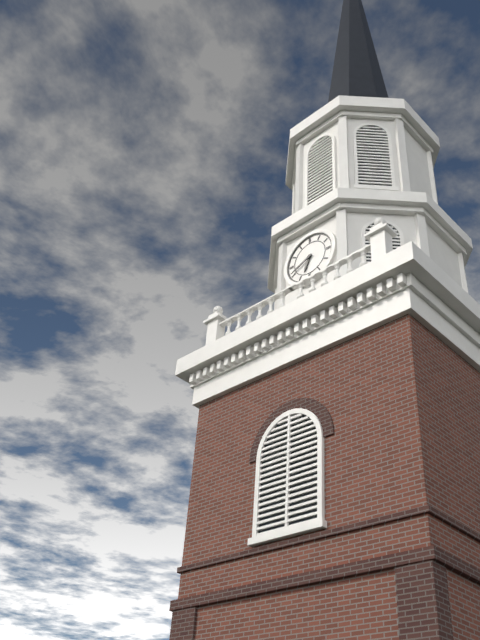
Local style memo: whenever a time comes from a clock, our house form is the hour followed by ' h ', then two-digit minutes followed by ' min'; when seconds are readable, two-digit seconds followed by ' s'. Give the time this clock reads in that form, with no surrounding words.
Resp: 6 h 41 min
